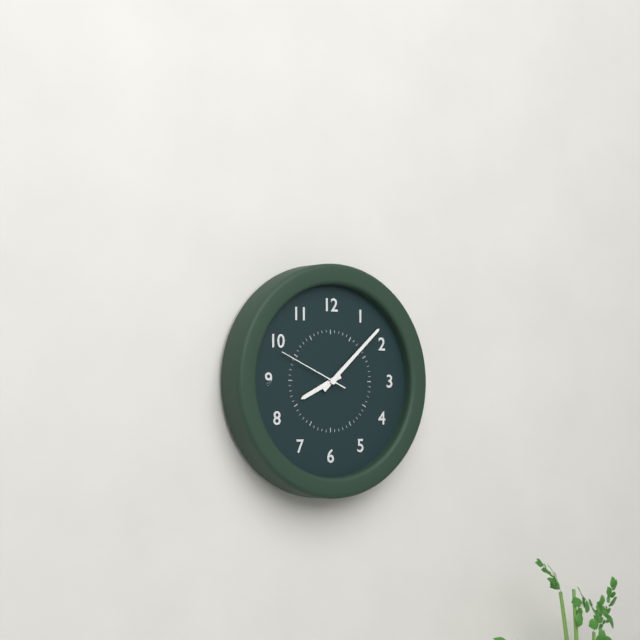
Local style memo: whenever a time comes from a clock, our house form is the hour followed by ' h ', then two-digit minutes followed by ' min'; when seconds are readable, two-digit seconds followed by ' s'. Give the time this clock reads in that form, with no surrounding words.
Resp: 8 h 08 min 49 s
